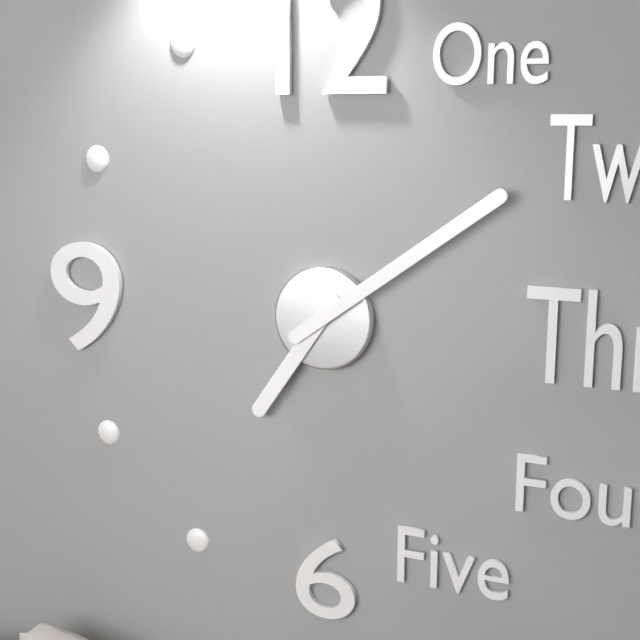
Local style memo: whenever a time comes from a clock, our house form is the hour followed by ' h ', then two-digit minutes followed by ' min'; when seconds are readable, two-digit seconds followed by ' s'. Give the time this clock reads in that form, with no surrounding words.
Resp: 7 h 09 min
